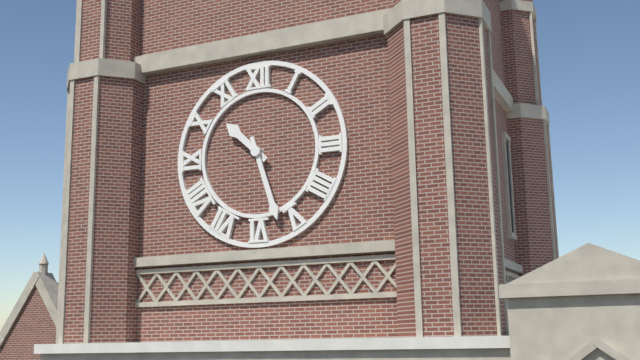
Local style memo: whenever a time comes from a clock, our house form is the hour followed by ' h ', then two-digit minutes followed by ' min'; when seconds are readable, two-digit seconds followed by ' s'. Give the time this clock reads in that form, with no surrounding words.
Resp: 10 h 27 min
